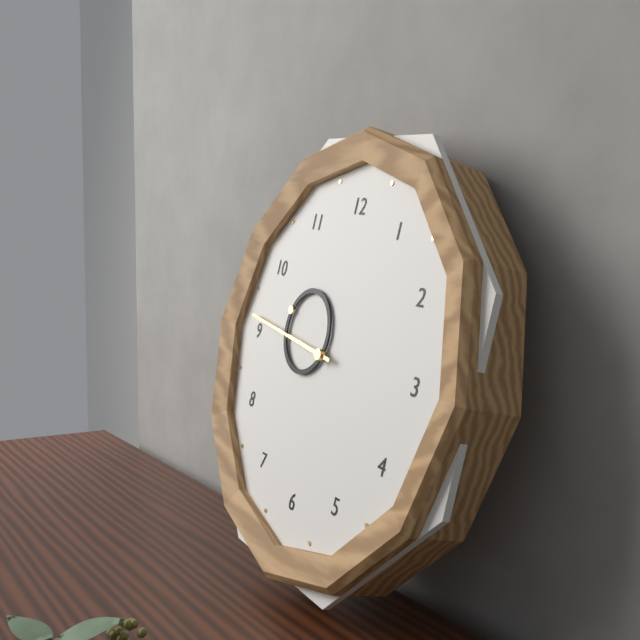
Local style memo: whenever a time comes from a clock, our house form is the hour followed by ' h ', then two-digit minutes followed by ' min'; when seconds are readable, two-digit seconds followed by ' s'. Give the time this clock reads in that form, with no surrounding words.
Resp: 9 h 46 min
